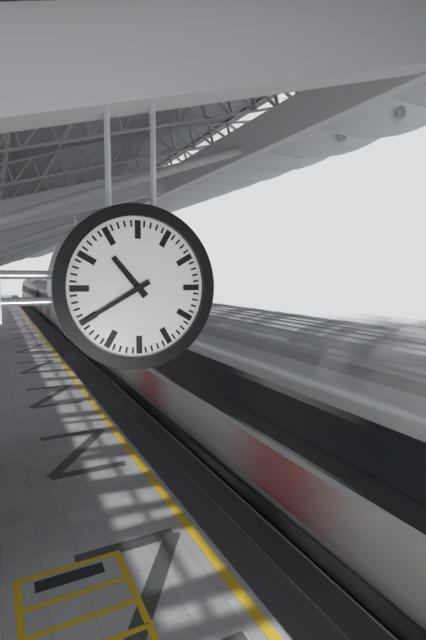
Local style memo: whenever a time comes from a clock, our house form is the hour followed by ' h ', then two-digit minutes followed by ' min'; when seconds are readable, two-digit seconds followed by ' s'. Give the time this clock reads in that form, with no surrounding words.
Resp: 10 h 40 min
